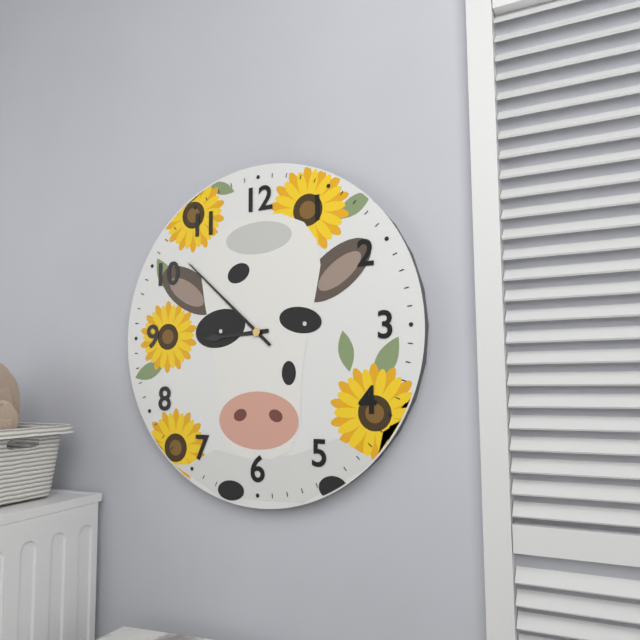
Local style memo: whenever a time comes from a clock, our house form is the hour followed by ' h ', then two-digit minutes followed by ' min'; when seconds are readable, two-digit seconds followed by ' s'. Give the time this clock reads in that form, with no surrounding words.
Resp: 8 h 52 min
